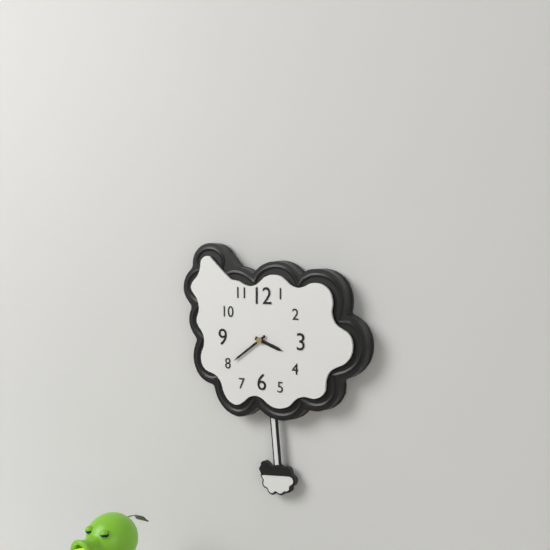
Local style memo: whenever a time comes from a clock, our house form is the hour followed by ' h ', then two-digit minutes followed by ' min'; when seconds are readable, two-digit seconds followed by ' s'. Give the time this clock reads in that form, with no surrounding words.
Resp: 3 h 39 min
